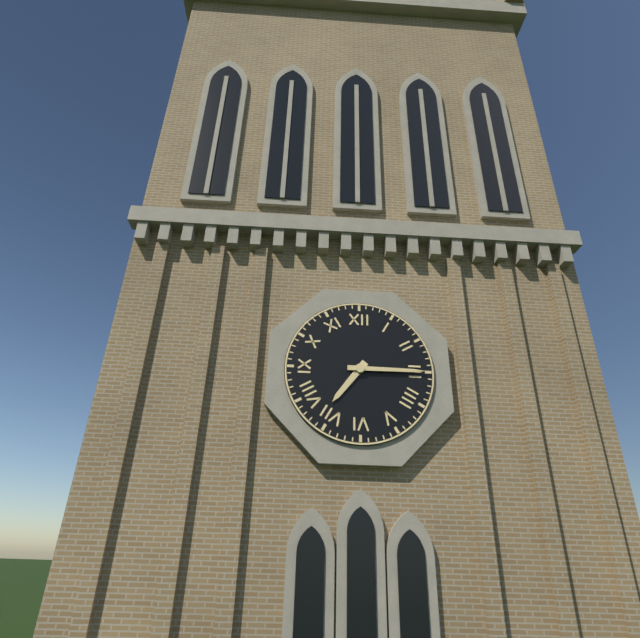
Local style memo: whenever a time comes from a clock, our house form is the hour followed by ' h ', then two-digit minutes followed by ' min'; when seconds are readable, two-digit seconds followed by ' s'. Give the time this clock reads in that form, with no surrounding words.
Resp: 7 h 15 min
